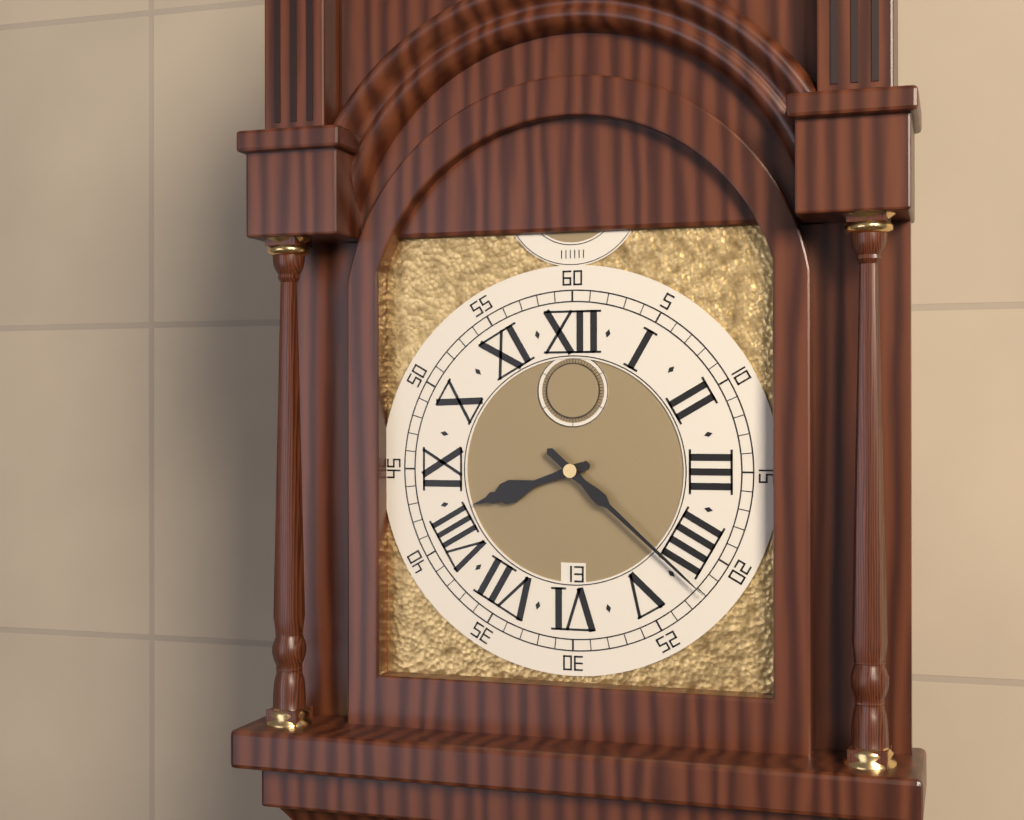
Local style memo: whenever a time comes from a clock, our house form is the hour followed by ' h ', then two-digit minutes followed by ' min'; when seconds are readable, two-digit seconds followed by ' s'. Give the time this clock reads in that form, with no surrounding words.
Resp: 8 h 22 min
